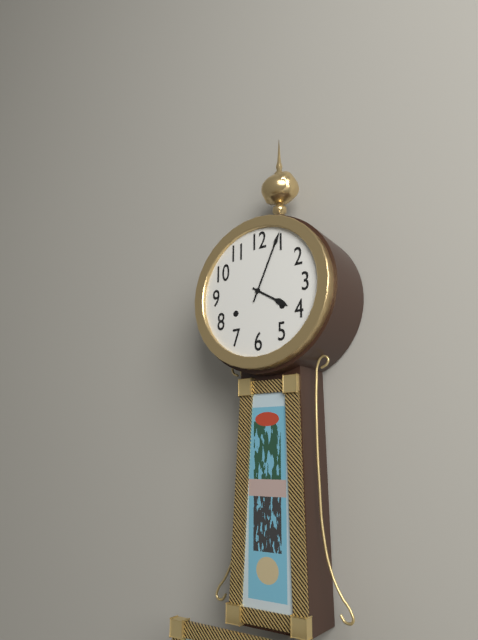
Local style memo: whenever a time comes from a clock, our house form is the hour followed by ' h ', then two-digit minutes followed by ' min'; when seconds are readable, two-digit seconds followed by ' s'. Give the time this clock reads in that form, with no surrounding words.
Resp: 4 h 04 min
